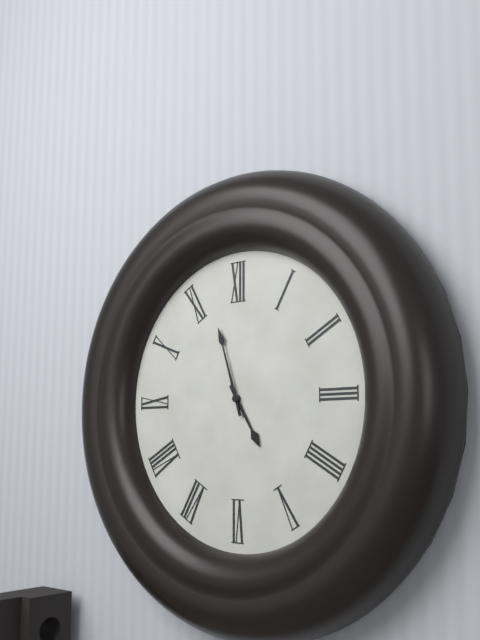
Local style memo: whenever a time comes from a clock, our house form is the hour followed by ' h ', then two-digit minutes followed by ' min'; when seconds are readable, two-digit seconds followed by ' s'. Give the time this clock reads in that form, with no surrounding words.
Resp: 4 h 57 min
